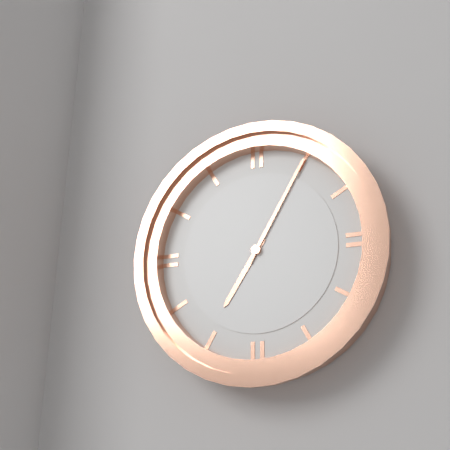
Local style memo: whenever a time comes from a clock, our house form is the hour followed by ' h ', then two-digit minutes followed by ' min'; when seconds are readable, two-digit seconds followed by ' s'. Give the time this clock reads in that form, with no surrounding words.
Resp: 7 h 05 min
